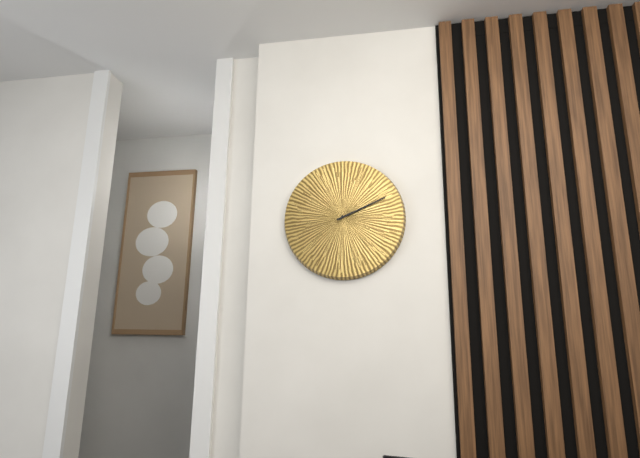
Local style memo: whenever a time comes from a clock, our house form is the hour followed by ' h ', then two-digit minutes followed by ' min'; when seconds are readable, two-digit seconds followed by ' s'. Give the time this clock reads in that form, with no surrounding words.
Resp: 2 h 11 min
